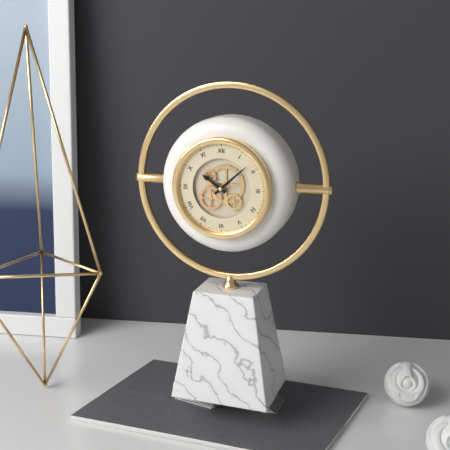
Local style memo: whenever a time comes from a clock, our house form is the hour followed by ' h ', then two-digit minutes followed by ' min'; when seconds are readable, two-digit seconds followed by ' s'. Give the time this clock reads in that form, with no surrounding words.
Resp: 10 h 08 min
